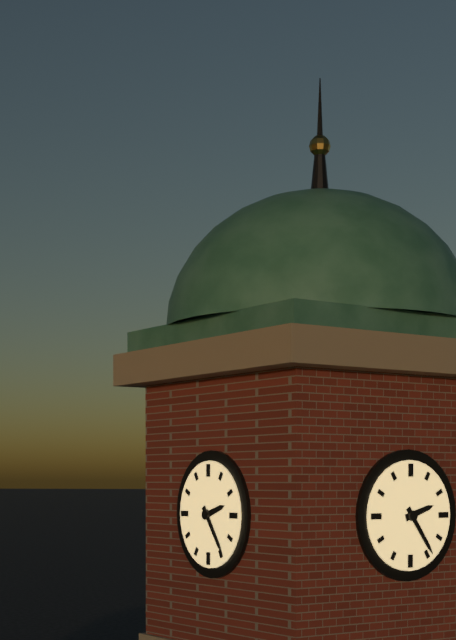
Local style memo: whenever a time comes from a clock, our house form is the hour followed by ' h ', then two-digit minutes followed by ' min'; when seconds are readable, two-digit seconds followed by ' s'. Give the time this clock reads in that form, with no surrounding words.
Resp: 2 h 24 min
